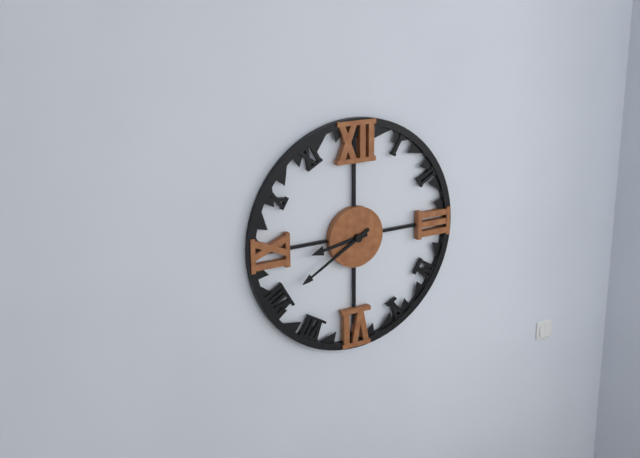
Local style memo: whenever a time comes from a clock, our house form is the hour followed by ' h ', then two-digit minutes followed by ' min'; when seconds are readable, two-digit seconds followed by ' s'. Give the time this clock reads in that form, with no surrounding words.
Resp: 8 h 40 min
